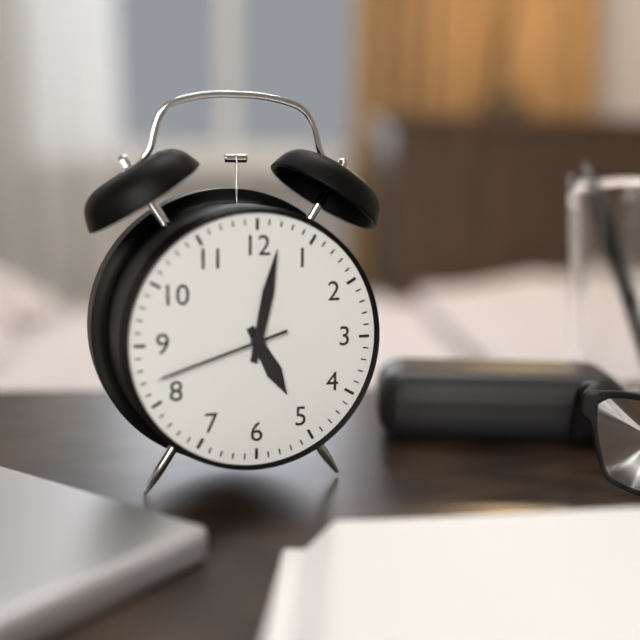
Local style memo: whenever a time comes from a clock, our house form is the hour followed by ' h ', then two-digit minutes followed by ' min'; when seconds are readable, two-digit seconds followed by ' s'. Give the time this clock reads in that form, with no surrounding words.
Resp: 5 h 02 min 42 s
